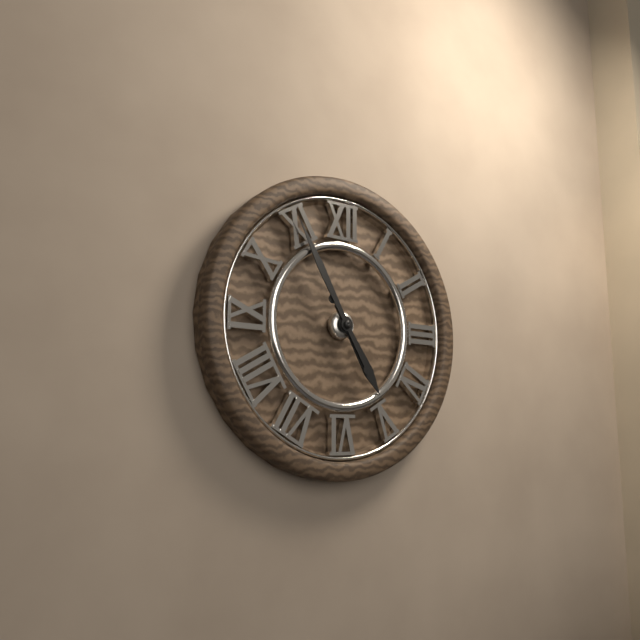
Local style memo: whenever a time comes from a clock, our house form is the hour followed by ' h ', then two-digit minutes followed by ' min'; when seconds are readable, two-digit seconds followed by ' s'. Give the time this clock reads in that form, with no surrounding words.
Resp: 4 h 55 min
